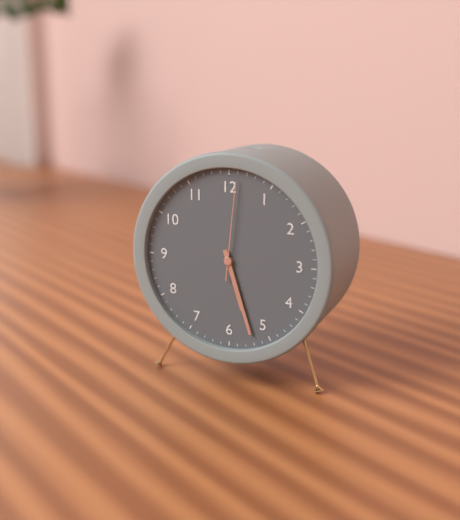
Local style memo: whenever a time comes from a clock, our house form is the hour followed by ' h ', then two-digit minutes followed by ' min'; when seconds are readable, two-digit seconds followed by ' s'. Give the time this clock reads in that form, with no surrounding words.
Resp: 5 h 27 min 01 s
